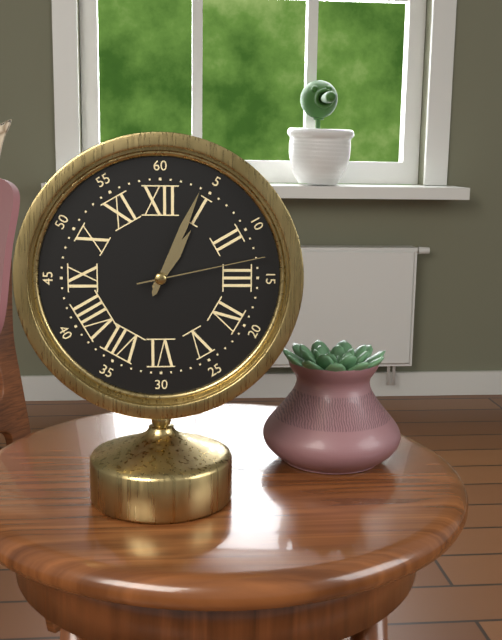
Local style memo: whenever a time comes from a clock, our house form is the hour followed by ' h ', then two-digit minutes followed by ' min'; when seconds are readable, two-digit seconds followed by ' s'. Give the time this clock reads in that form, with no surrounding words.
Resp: 1 h 04 min 13 s
